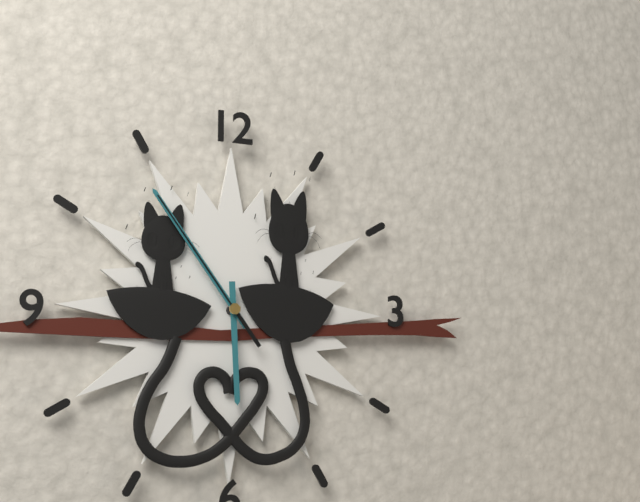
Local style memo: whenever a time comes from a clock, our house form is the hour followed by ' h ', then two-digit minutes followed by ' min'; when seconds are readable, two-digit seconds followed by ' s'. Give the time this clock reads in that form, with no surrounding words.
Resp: 5 h 54 min 54 s
